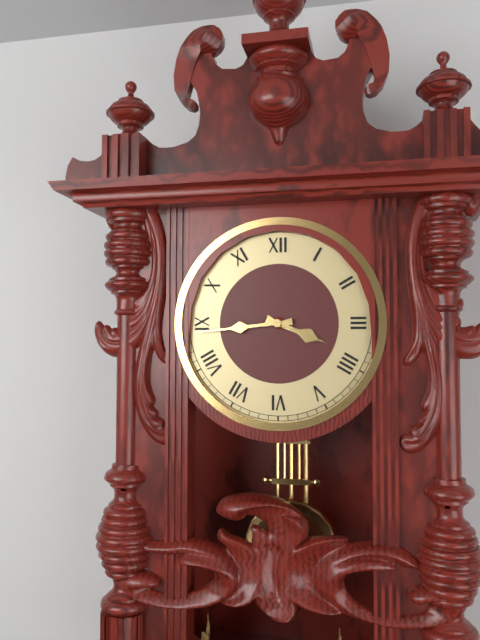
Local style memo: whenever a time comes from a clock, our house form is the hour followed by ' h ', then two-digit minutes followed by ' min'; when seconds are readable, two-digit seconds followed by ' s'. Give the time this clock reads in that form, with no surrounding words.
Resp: 3 h 44 min
